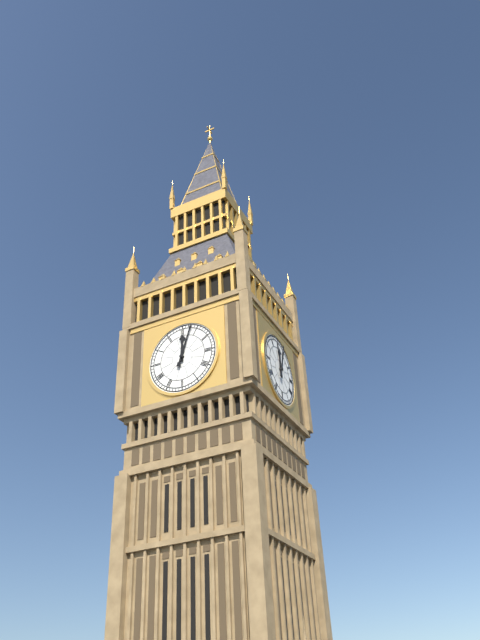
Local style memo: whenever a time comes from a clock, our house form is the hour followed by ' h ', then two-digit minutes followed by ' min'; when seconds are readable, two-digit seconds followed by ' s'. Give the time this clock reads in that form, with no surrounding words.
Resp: 12 h 03 min
